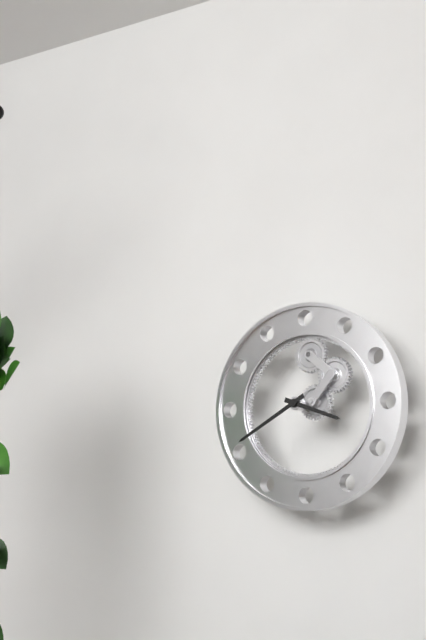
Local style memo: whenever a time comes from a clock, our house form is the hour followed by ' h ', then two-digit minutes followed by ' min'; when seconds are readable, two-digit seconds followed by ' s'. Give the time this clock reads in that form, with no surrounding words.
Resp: 3 h 40 min
